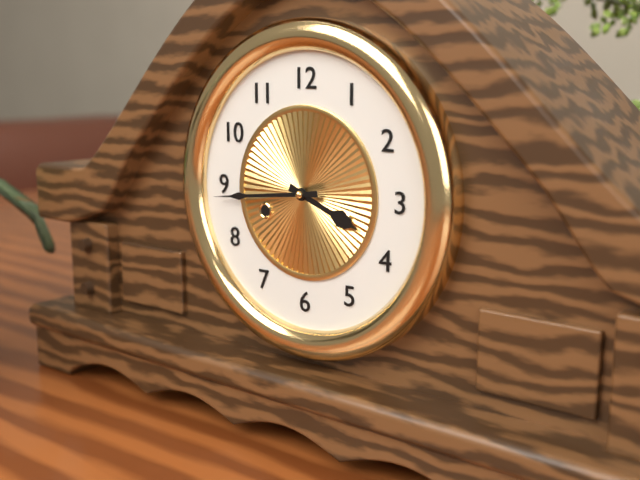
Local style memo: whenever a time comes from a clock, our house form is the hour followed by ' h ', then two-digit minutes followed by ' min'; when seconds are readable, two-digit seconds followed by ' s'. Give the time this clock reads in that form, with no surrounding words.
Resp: 3 h 44 min
